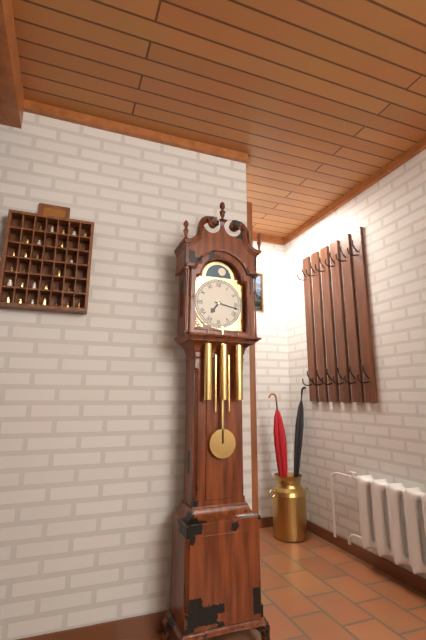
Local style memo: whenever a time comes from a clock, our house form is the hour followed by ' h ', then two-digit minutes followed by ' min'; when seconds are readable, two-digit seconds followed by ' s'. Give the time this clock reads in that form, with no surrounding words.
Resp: 7 h 17 min
